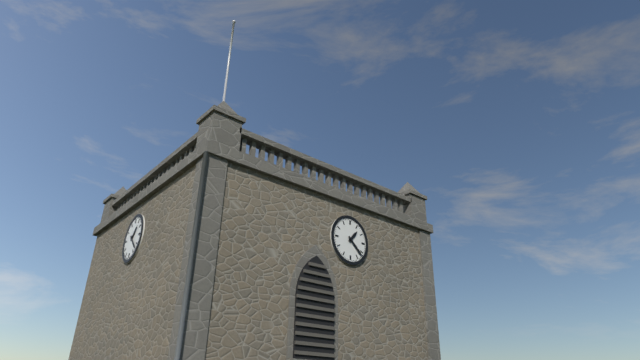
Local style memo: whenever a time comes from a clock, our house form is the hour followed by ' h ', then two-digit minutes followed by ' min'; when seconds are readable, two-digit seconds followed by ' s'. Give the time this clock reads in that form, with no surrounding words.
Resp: 1 h 22 min
